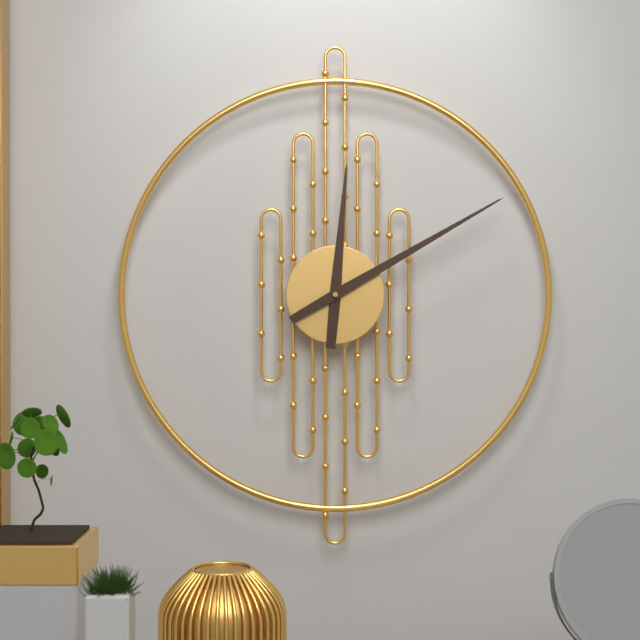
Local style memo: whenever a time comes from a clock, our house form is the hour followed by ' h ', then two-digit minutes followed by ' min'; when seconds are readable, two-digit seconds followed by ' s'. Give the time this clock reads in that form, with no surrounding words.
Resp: 12 h 10 min
